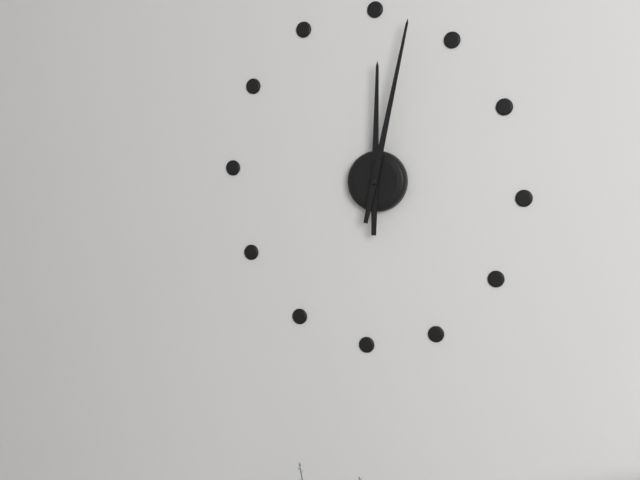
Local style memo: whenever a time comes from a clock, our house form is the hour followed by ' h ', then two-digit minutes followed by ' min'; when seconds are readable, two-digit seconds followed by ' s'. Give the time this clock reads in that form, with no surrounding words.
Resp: 12 h 02 min
